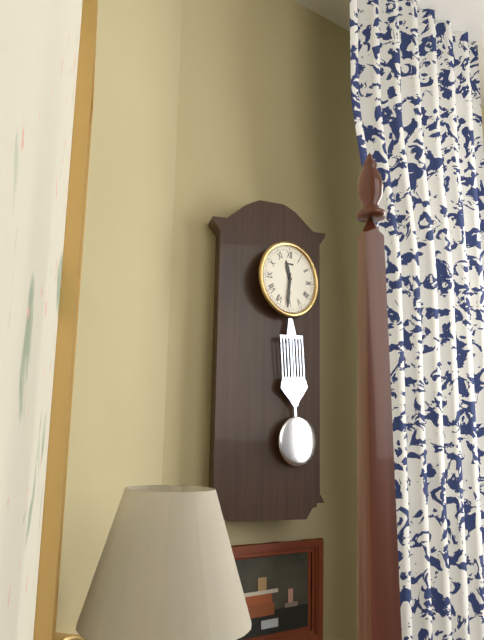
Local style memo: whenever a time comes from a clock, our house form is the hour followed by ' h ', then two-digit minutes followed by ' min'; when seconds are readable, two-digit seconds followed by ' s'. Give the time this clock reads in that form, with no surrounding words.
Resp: 11 h 31 min
